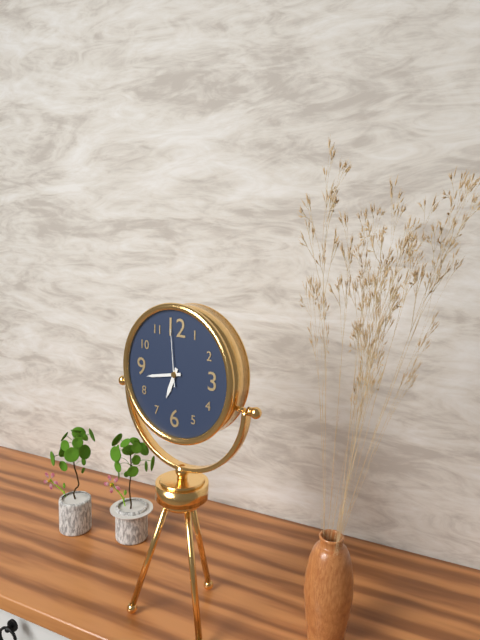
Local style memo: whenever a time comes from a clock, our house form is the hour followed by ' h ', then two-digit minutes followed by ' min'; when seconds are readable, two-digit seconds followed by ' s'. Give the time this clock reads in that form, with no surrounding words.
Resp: 6 h 43 min 59 s
